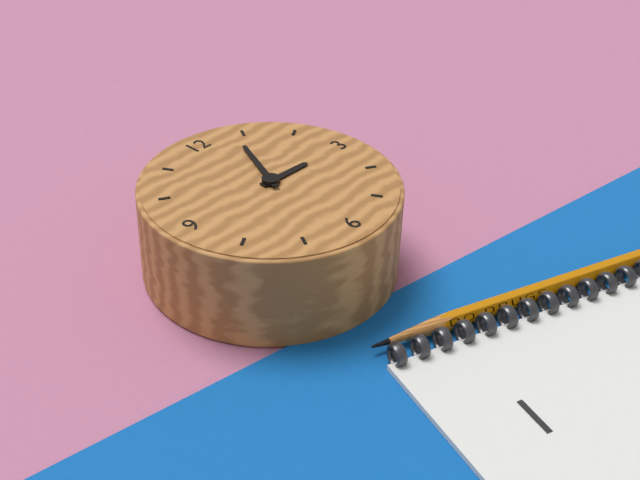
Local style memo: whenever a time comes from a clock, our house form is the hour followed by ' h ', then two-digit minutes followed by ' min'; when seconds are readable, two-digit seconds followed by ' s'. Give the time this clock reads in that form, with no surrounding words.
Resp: 3 h 04 min
